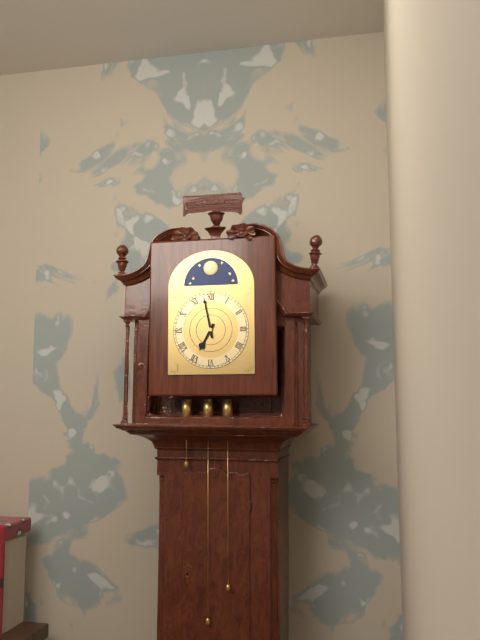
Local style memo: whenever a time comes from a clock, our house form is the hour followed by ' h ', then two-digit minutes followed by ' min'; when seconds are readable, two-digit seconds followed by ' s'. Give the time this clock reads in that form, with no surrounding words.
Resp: 6 h 58 min
